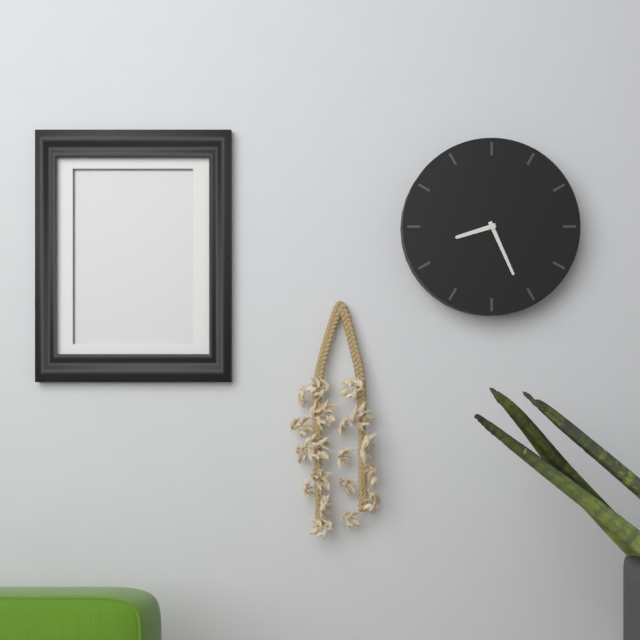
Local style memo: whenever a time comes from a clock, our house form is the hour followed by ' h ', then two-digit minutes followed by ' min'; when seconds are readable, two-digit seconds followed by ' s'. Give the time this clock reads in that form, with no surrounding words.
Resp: 8 h 26 min
